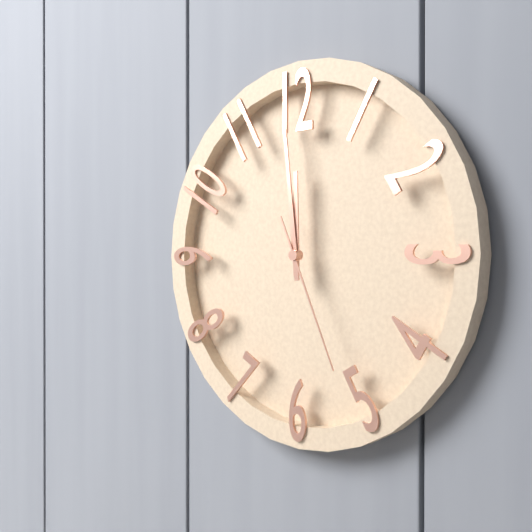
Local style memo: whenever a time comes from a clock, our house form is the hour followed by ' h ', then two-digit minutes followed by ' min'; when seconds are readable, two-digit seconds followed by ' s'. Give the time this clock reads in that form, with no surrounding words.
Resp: 11 h 59 min 26 s
